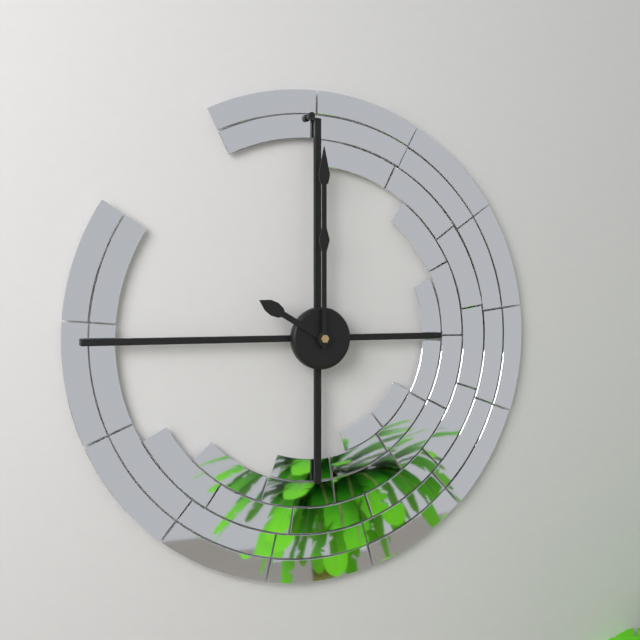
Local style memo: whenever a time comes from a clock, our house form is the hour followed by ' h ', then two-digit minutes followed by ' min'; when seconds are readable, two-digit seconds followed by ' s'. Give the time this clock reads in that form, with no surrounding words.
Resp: 10 h 00 min
